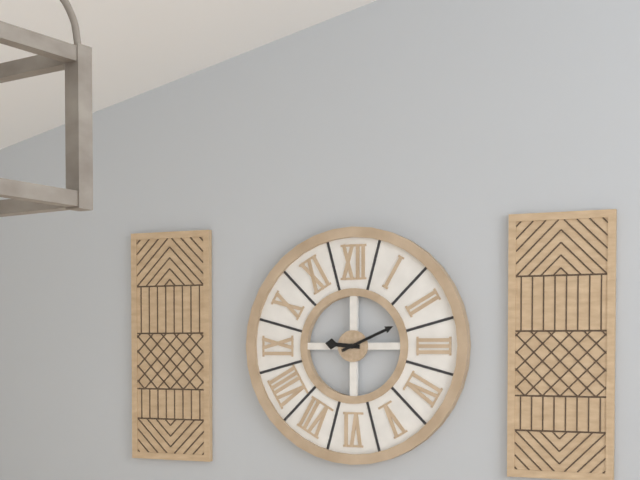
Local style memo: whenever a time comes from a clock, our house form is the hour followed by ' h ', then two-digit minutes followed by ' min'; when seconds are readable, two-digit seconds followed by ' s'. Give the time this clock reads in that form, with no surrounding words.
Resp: 9 h 11 min
